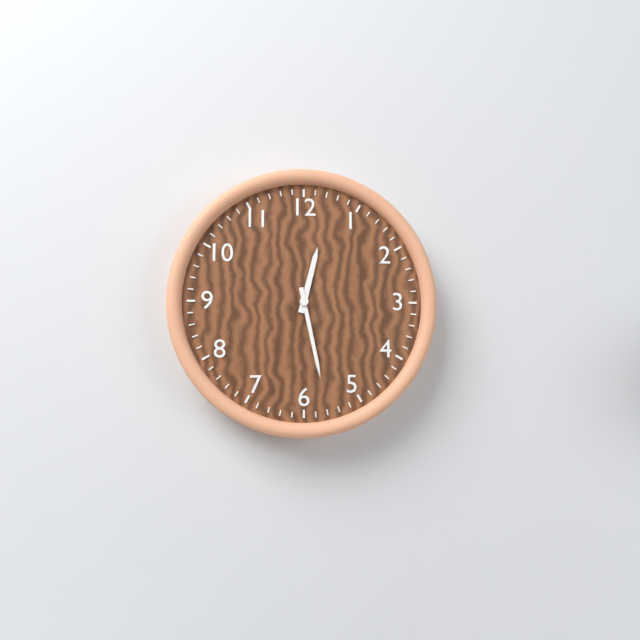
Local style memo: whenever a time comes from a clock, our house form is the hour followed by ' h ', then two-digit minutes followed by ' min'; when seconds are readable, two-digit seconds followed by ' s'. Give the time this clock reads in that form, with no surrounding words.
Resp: 12 h 28 min
